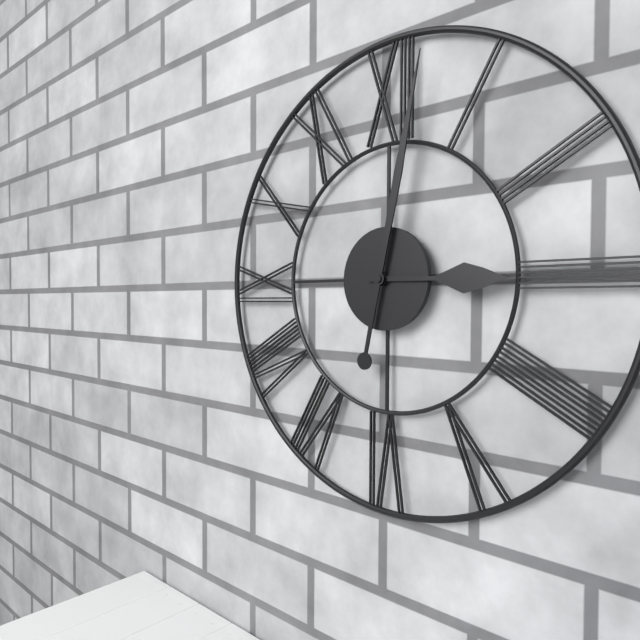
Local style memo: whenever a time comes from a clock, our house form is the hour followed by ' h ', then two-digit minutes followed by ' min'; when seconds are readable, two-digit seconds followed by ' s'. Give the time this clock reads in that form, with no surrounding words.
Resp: 3 h 02 min
